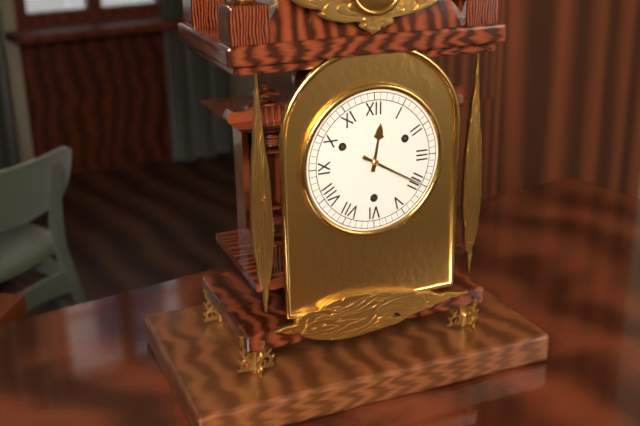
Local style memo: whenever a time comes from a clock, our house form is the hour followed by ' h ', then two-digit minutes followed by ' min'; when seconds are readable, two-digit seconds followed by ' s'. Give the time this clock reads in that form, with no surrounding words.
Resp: 12 h 20 min
